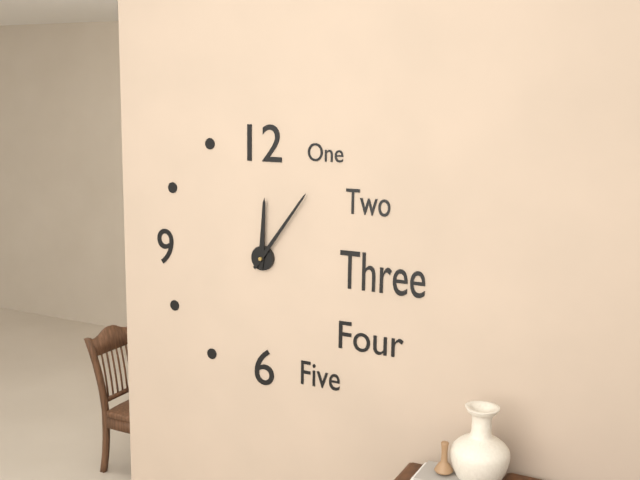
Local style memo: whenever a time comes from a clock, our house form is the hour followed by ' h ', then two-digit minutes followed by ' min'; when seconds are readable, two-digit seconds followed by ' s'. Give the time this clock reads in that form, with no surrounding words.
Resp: 12 h 06 min
